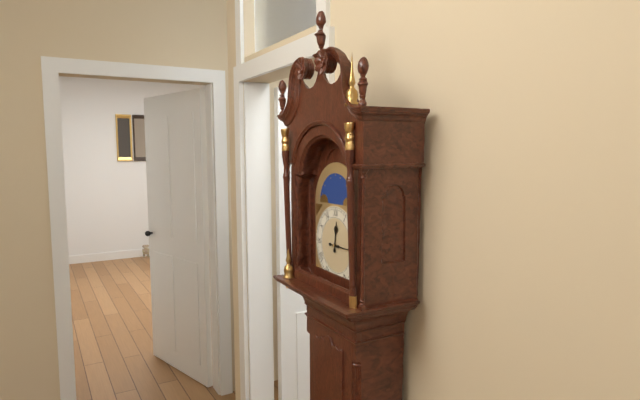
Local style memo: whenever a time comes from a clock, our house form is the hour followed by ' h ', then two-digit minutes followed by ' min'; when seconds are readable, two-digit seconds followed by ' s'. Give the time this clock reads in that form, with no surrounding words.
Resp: 12 h 15 min
